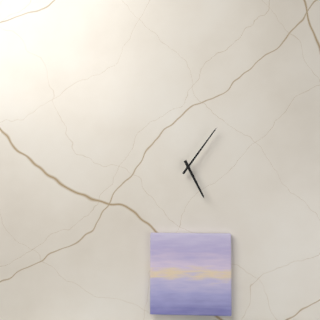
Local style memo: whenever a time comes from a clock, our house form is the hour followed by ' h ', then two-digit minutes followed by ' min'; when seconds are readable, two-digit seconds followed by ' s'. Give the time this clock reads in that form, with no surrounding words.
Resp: 5 h 06 min
